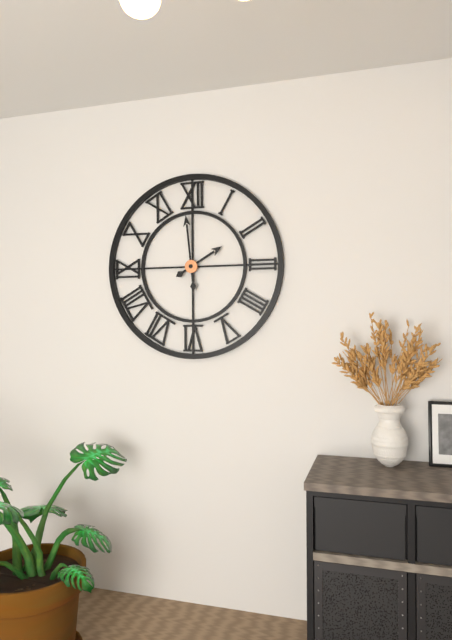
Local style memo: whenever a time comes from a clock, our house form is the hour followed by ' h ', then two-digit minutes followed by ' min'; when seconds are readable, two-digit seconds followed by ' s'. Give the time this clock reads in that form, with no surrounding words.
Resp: 1 h 59 min
